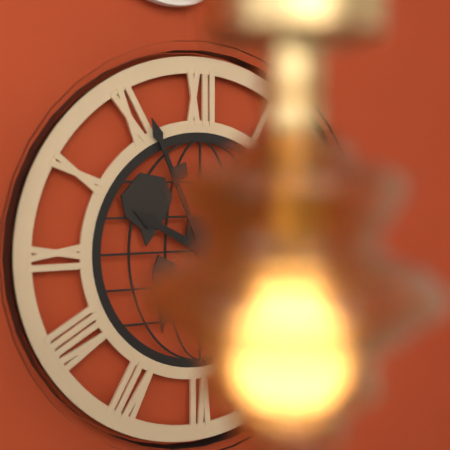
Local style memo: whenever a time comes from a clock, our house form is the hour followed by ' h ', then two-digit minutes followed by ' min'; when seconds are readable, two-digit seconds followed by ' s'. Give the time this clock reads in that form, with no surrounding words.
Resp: 9 h 56 min
